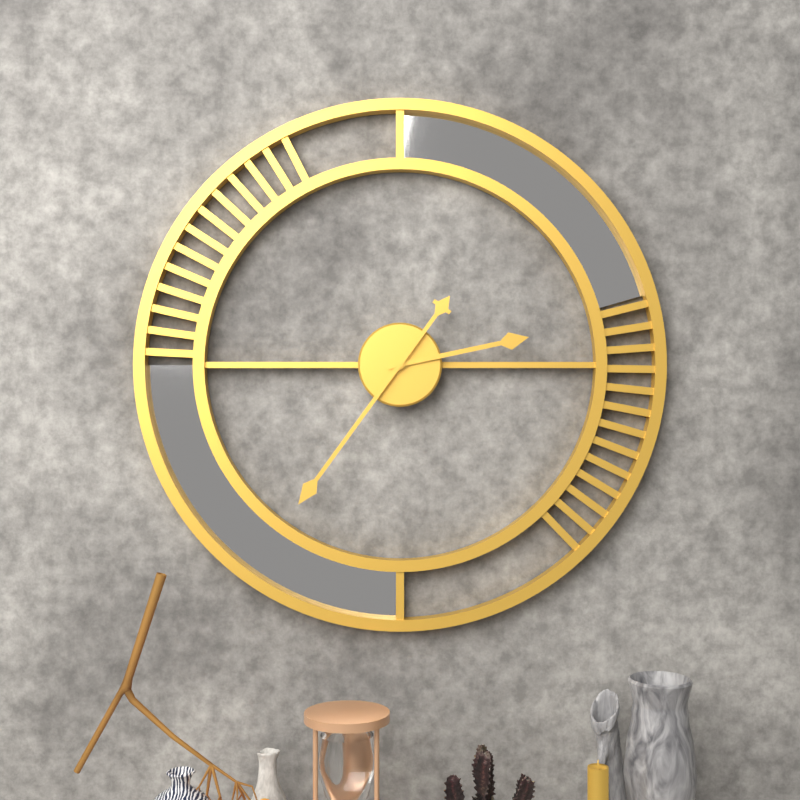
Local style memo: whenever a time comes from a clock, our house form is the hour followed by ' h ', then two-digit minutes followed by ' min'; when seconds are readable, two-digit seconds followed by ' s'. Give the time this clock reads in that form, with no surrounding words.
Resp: 2 h 36 min
